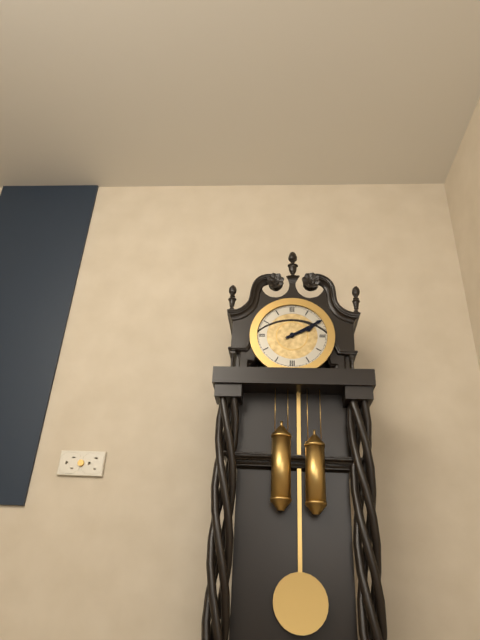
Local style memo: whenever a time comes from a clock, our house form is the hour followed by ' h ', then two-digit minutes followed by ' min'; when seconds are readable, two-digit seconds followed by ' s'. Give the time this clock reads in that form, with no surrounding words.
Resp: 2 h 10 min
